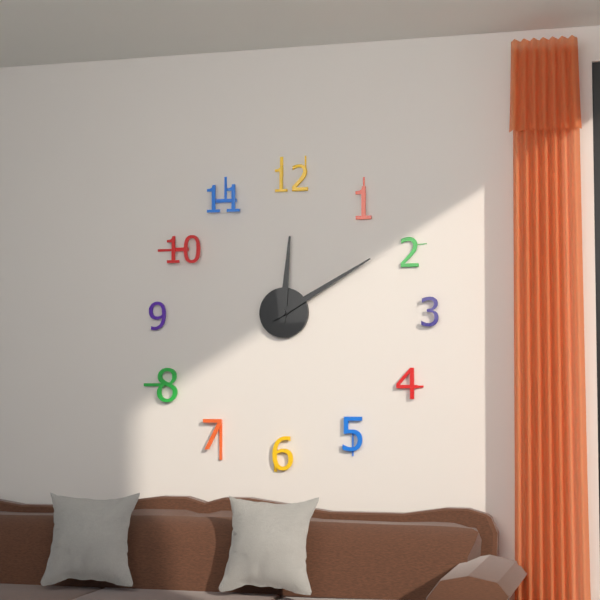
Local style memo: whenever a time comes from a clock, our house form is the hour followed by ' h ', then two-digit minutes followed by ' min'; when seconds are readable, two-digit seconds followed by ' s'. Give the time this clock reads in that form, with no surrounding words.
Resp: 12 h 10 min
